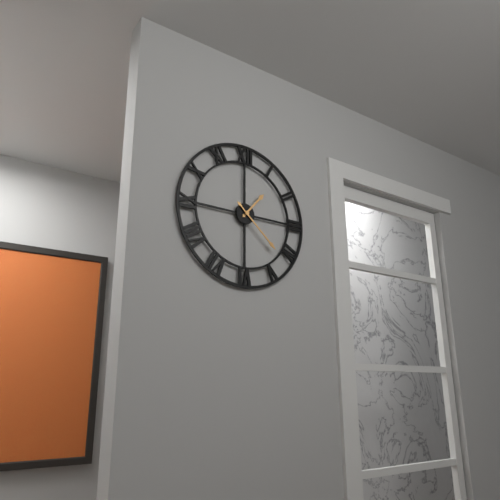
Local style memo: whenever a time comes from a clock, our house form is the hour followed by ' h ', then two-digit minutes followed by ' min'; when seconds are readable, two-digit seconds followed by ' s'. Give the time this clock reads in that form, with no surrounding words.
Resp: 1 h 22 min
